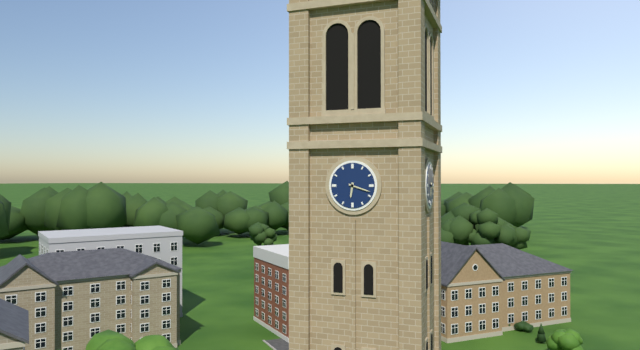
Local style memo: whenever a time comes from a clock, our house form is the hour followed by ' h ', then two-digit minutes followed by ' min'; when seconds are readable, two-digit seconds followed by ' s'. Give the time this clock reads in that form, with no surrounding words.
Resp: 6 h 18 min
